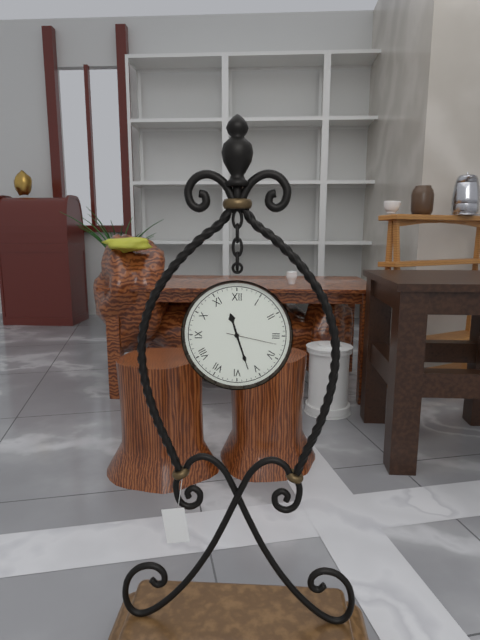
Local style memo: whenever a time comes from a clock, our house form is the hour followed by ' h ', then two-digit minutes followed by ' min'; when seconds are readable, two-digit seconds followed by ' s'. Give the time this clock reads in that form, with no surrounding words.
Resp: 11 h 27 min 17 s
